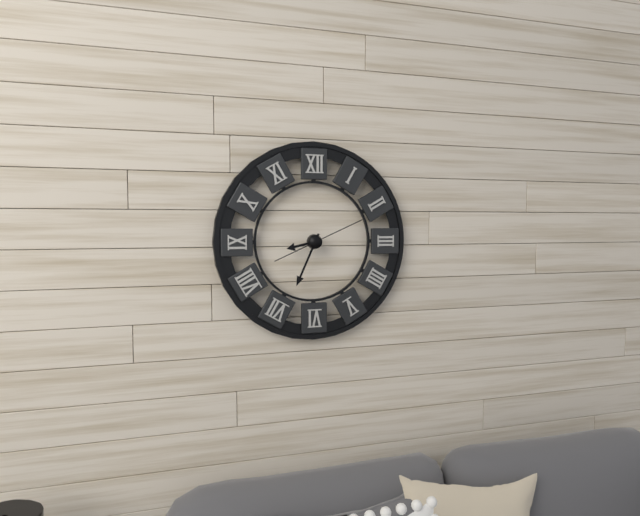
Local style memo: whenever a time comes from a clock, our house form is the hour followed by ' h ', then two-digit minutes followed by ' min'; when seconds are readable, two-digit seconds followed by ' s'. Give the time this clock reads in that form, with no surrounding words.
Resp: 8 h 34 min 11 s
